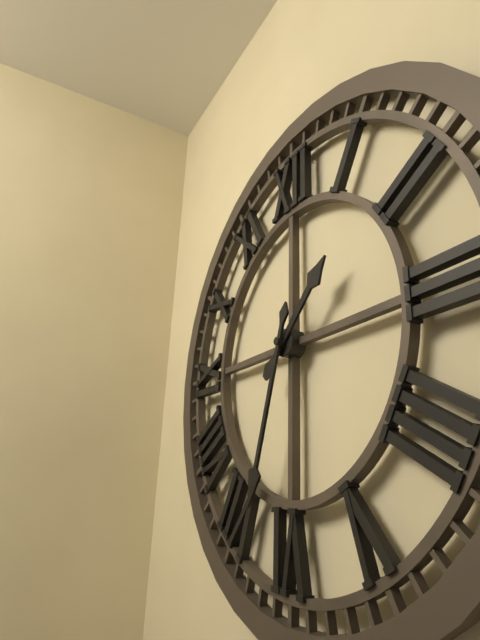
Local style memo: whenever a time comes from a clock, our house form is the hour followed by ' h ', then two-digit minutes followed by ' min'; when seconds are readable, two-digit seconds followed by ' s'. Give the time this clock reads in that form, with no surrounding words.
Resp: 1 h 33 min
